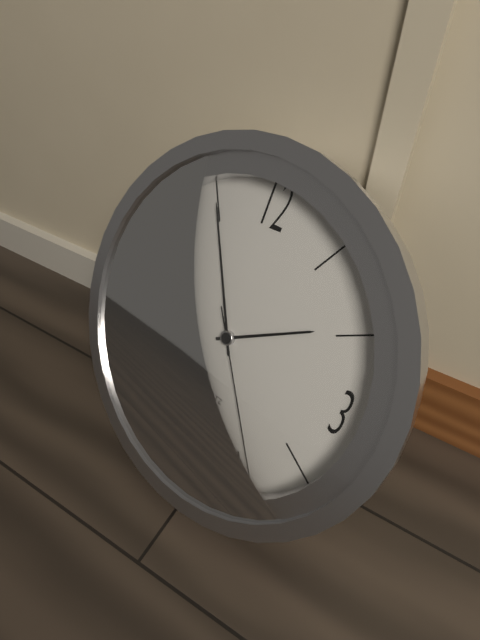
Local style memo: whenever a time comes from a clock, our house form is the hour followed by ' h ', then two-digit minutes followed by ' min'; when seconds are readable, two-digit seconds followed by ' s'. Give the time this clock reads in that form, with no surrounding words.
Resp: 1 h 55 min 24 s
